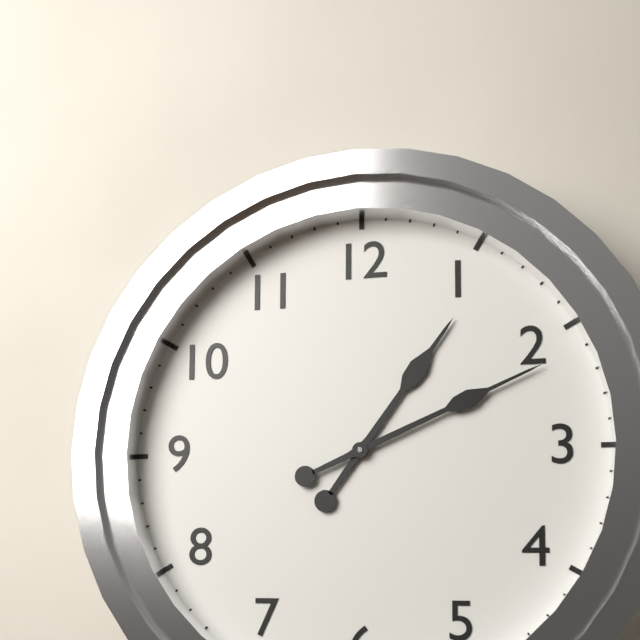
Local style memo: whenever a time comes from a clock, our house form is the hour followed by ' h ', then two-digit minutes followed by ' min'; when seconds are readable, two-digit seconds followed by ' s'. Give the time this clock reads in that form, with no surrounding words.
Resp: 1 h 11 min
